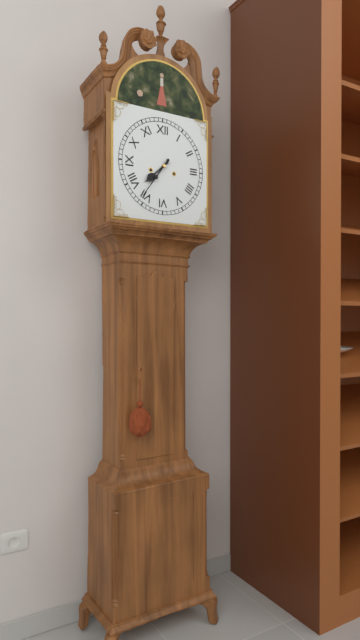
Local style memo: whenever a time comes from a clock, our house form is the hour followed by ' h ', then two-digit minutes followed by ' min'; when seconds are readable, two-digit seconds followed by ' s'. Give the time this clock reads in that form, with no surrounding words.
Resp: 7 h 36 min
